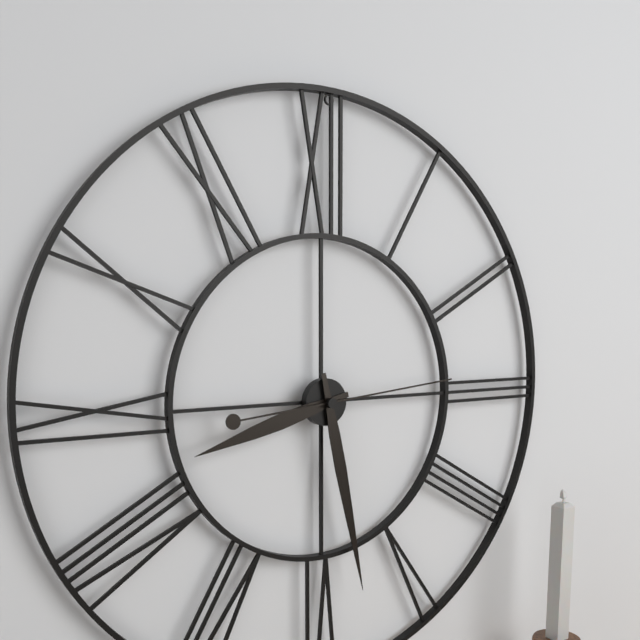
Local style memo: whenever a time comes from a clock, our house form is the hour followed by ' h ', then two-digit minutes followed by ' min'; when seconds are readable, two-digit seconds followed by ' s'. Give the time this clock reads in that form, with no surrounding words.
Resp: 8 h 28 min 14 s
